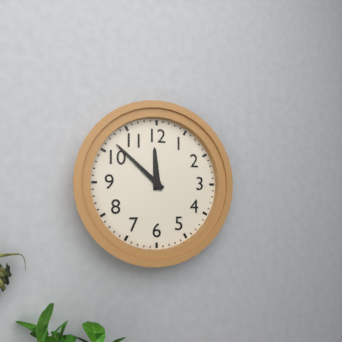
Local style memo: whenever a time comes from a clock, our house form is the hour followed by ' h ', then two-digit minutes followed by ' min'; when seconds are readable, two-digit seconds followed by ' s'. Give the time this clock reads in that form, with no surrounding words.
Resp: 11 h 52 min
